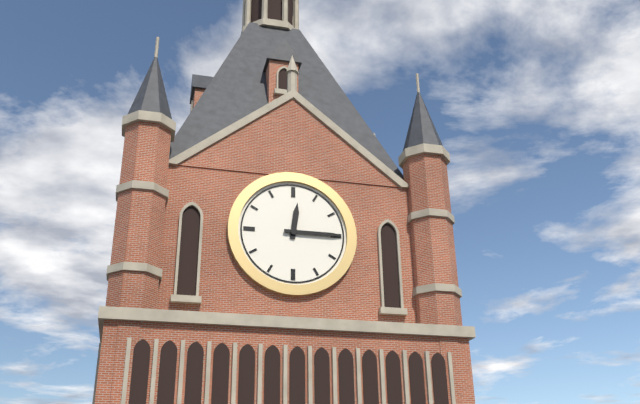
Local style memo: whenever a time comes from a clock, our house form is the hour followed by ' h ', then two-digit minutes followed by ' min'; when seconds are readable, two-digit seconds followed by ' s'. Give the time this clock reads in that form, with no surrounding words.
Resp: 12 h 15 min
